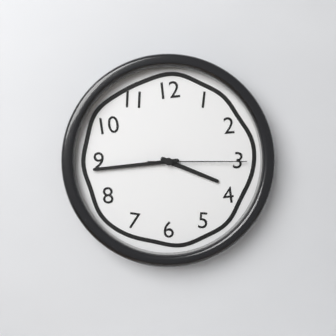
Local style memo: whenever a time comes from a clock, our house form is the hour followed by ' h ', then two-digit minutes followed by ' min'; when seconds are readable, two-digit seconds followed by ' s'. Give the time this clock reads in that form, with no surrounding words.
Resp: 3 h 44 min 15 s
